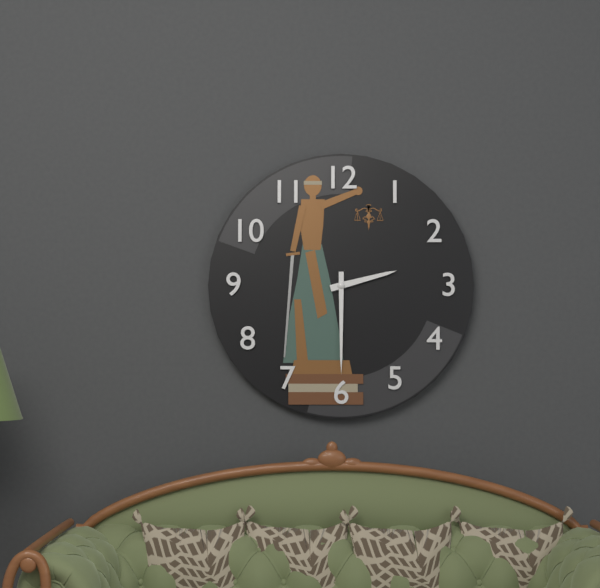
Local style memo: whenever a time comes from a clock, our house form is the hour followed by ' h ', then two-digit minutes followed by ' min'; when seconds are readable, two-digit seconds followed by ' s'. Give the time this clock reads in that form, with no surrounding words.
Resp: 2 h 30 min
